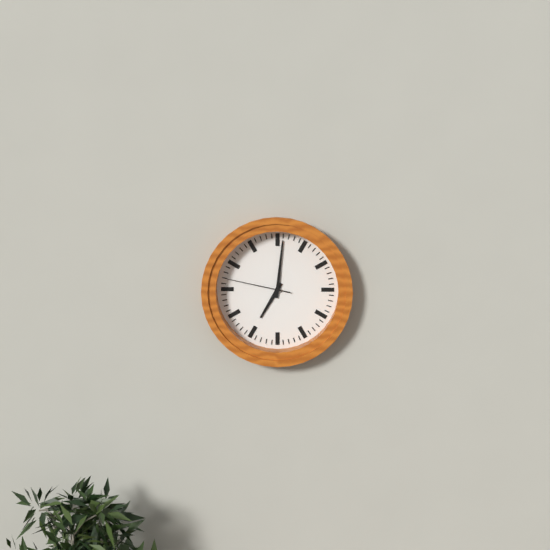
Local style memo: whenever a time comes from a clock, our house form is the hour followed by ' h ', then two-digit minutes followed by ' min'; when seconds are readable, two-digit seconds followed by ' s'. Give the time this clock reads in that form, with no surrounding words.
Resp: 7 h 01 min 47 s
